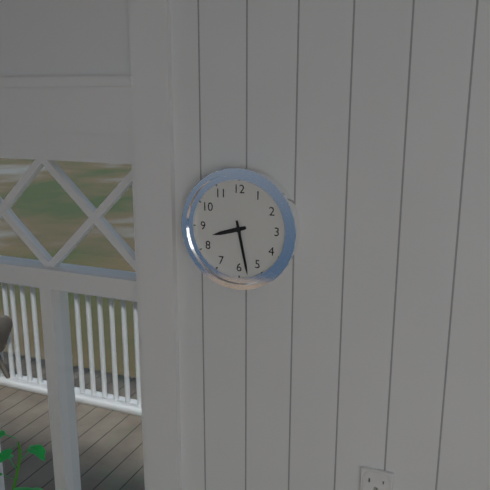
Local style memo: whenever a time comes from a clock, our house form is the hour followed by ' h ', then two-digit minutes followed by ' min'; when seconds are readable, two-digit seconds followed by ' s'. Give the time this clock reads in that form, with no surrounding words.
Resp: 8 h 28 min
